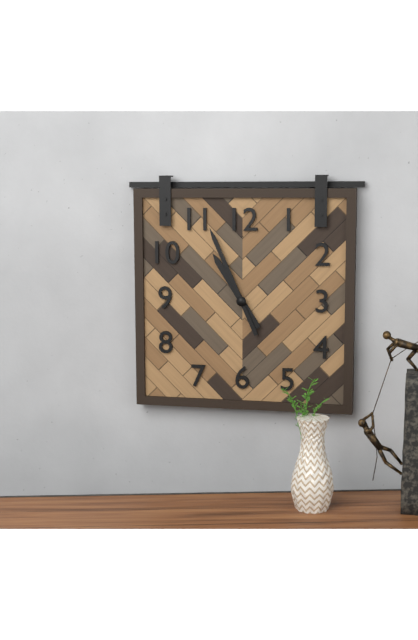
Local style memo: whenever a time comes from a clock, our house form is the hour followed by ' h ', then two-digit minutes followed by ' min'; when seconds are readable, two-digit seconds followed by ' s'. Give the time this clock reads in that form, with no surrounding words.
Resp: 10 h 56 min
